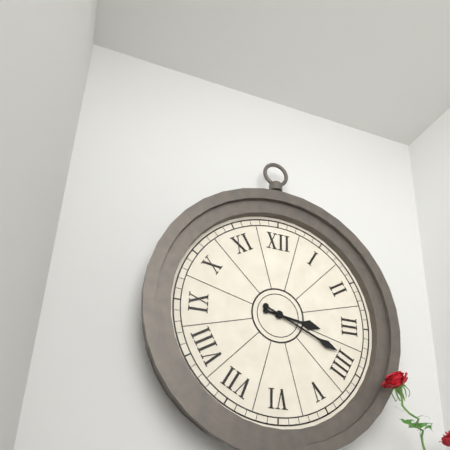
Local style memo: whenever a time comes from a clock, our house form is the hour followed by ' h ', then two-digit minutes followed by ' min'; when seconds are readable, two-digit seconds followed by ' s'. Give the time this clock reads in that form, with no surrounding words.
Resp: 3 h 19 min
